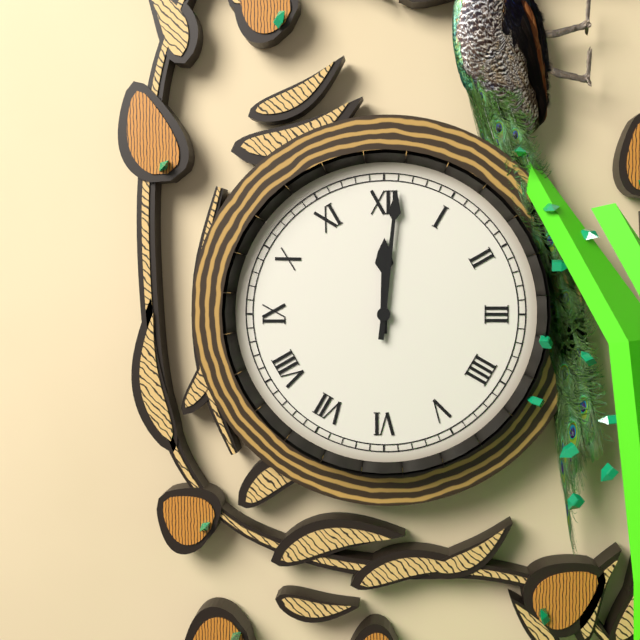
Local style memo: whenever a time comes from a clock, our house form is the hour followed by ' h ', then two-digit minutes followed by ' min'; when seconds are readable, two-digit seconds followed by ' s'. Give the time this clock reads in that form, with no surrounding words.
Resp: 12 h 01 min
